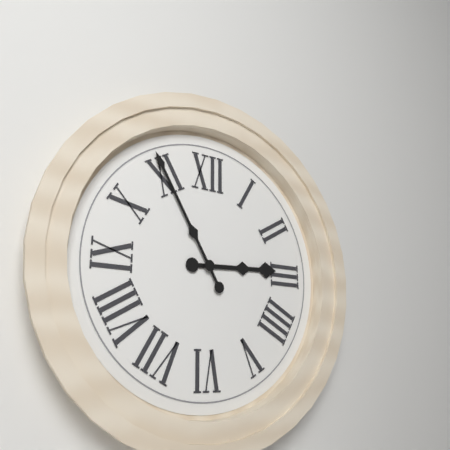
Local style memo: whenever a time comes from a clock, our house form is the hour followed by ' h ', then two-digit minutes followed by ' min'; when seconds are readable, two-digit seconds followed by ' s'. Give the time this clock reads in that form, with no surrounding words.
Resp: 2 h 55 min
